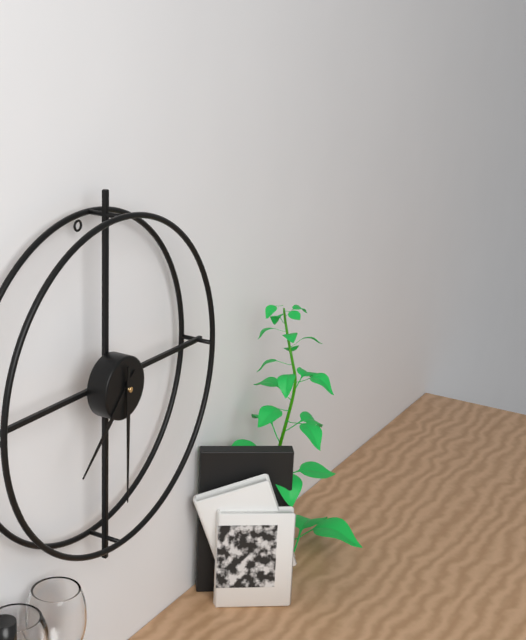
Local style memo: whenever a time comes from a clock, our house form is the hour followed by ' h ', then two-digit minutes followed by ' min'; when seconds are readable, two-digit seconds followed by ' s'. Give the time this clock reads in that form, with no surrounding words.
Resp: 7 h 30 min
